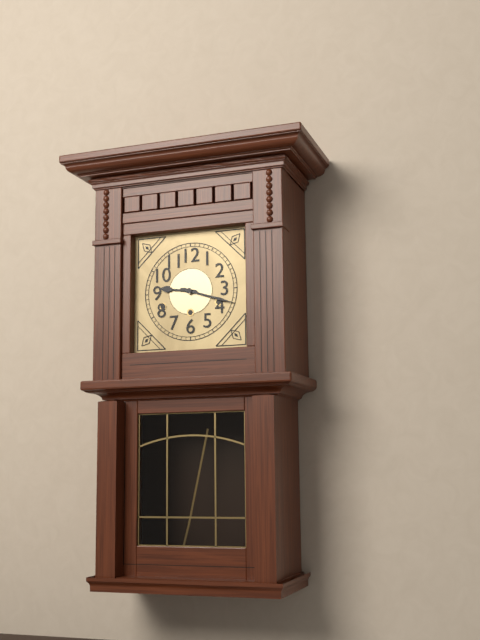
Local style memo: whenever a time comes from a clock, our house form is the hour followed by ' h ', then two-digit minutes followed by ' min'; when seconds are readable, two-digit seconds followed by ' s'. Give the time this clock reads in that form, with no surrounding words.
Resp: 9 h 18 min
